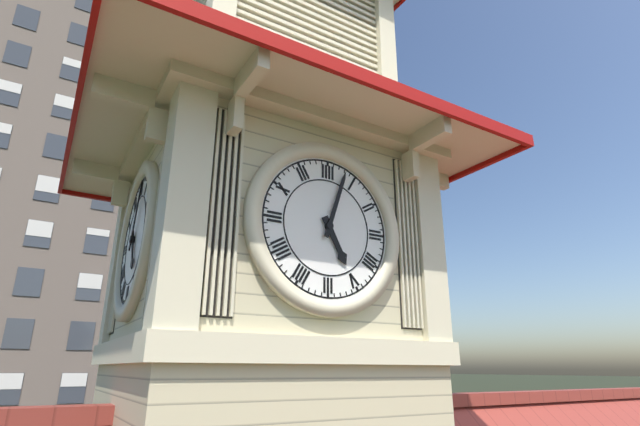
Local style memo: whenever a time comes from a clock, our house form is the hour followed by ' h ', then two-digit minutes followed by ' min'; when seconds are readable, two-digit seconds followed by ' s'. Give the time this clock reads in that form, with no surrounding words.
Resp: 5 h 03 min
